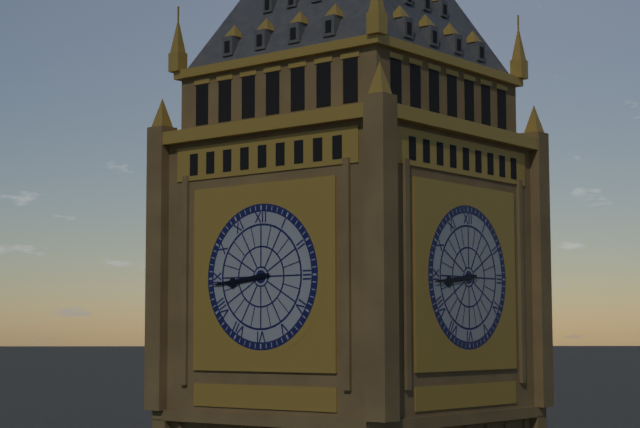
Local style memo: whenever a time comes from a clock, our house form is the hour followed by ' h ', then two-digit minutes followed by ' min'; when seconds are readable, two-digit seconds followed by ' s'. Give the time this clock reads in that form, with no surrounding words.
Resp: 8 h 44 min
